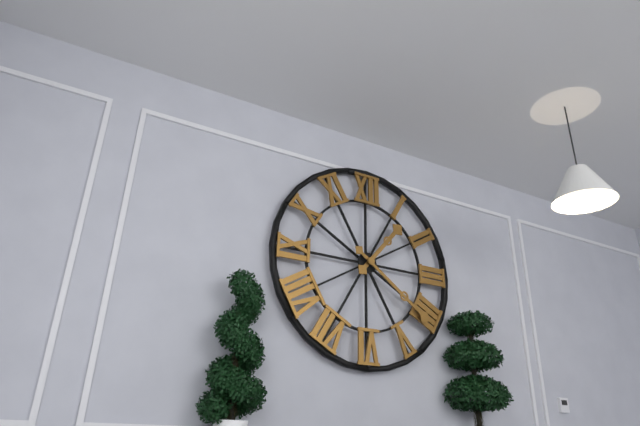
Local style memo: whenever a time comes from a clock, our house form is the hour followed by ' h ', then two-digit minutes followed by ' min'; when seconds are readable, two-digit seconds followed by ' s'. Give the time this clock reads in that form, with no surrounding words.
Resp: 1 h 21 min
